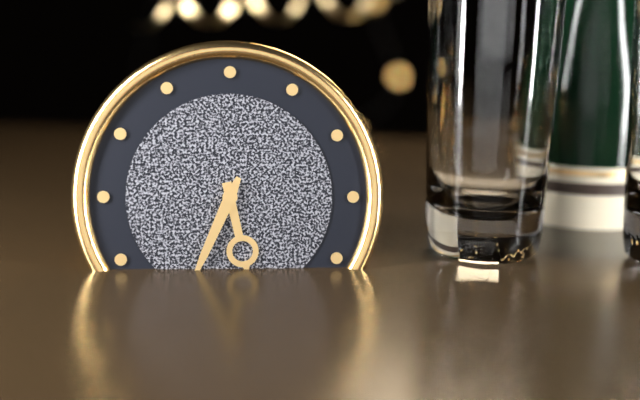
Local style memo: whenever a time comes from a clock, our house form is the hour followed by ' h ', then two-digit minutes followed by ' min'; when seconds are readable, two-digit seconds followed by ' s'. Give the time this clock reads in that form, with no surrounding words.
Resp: 5 h 34 min
